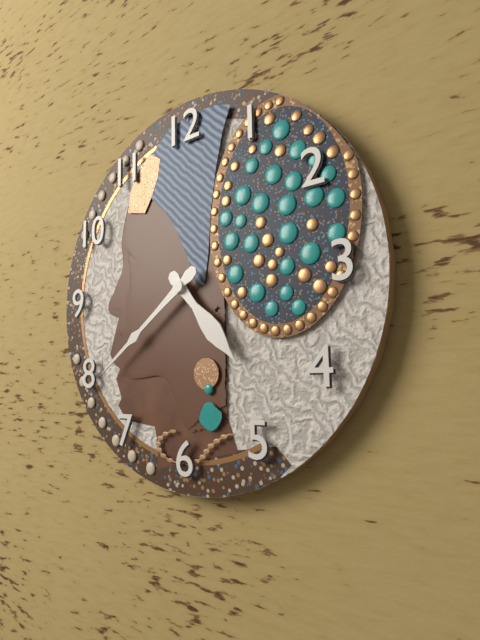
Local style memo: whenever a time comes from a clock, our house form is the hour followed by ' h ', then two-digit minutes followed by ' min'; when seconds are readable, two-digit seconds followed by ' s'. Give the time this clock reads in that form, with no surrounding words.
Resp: 4 h 39 min
